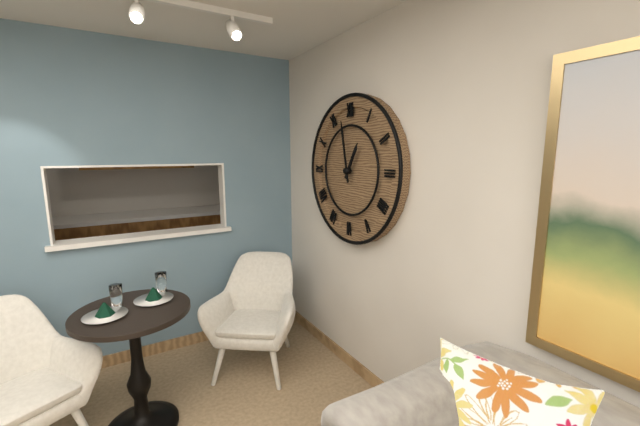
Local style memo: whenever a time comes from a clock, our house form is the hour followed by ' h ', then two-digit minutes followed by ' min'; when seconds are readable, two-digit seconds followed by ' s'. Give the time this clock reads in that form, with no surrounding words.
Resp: 12 h 58 min
